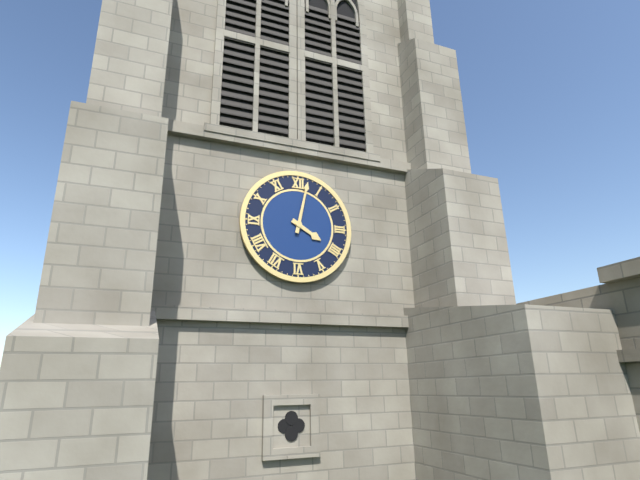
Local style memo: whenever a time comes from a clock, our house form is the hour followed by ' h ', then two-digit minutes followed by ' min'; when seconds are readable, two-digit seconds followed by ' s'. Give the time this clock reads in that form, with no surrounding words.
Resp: 4 h 02 min
